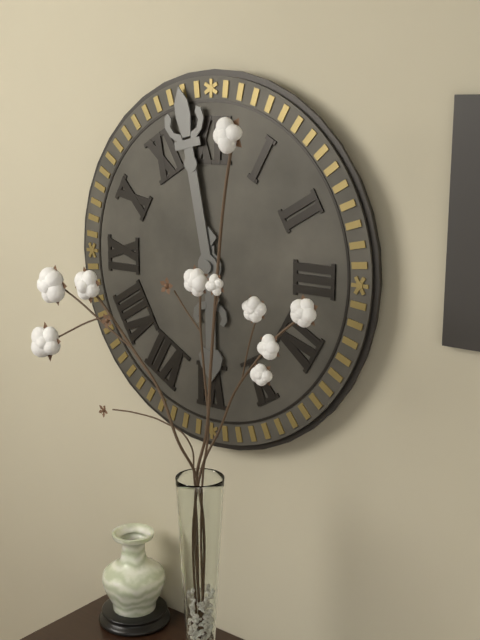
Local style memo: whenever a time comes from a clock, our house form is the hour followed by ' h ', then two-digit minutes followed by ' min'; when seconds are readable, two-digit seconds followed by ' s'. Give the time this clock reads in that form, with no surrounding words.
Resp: 5 h 58 min
